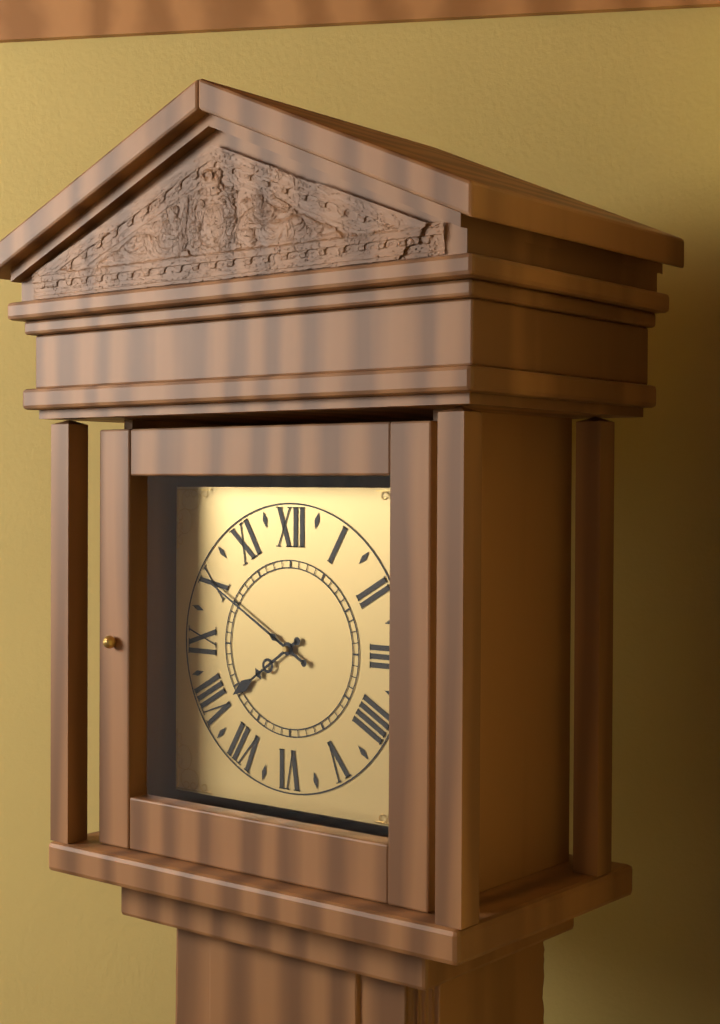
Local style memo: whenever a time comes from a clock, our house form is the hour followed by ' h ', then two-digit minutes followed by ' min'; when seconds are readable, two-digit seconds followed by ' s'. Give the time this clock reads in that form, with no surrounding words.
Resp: 7 h 50 min
